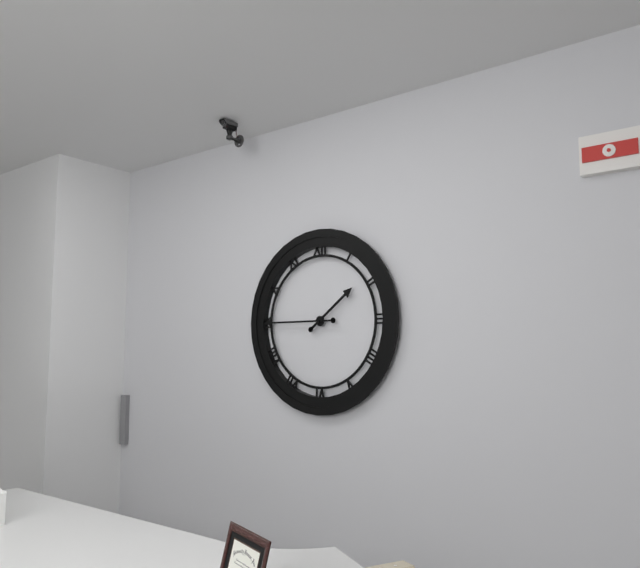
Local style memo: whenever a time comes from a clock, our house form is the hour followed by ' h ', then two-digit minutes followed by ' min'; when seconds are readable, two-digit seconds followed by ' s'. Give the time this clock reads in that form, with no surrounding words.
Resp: 1 h 45 min
